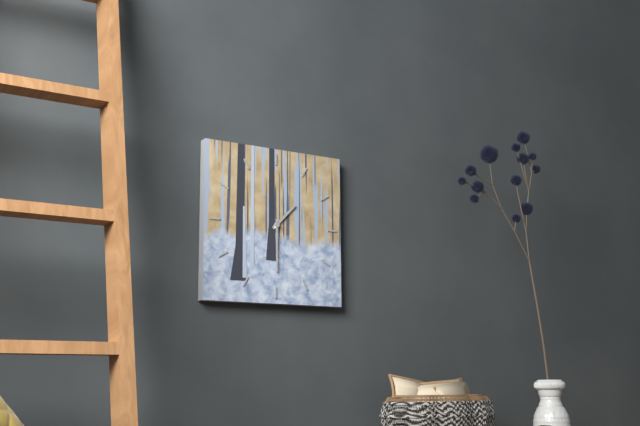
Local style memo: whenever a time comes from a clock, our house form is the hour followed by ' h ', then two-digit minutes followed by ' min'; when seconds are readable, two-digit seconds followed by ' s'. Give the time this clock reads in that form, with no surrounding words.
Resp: 1 h 30 min
